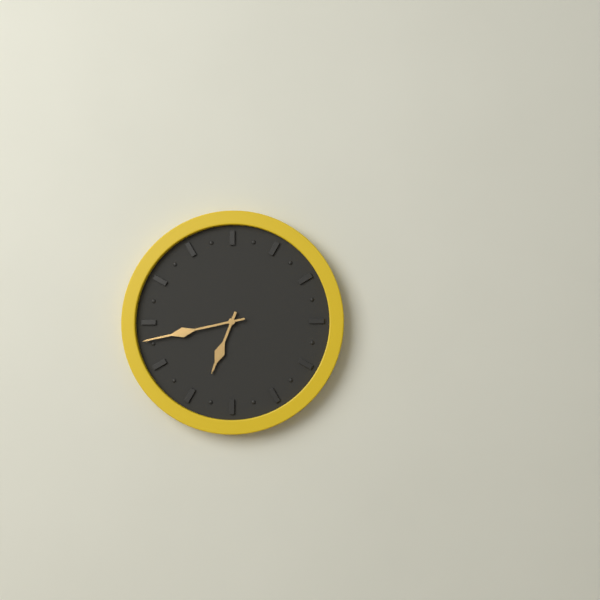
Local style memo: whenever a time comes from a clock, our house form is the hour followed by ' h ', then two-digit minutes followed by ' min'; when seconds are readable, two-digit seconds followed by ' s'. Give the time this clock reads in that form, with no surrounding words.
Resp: 6 h 43 min
